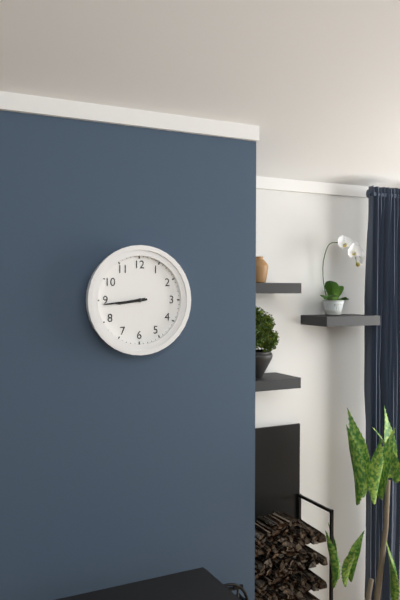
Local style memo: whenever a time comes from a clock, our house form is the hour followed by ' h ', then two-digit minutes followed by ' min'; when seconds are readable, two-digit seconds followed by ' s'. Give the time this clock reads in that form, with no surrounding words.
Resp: 8 h 44 min
